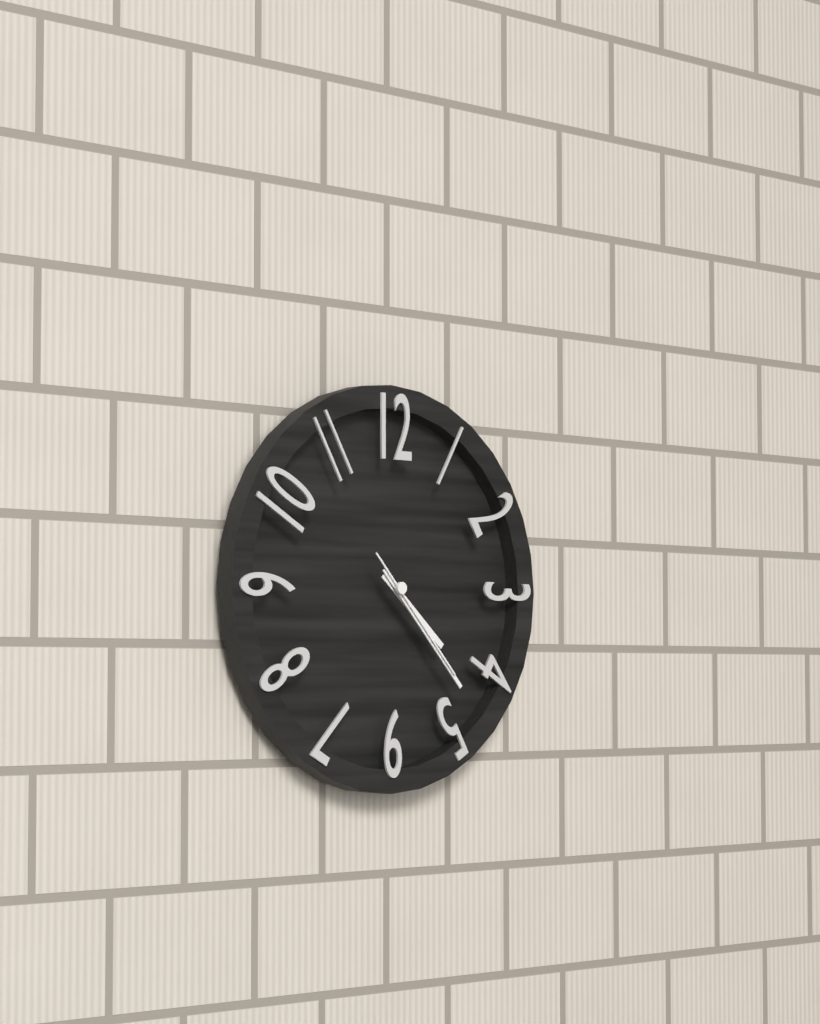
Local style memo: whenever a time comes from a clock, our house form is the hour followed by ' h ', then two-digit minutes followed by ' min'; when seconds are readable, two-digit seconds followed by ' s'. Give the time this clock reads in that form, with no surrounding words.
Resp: 4 h 23 min 23 s
